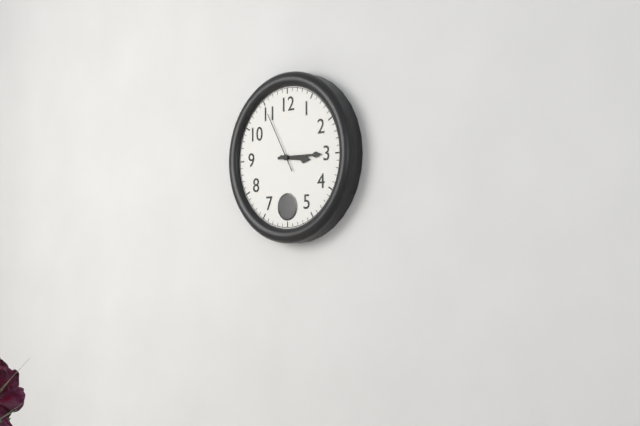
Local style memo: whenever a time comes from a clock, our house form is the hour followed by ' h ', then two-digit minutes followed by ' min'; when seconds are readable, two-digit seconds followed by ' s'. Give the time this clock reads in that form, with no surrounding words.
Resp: 3 h 15 min 55 s
